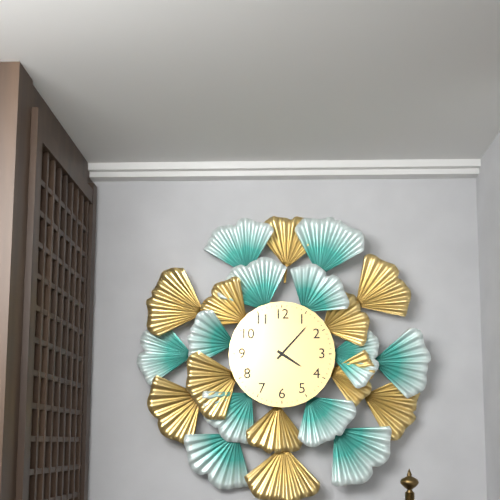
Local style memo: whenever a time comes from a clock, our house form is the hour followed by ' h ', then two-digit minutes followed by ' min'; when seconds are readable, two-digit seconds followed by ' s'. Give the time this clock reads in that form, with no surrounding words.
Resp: 4 h 07 min
